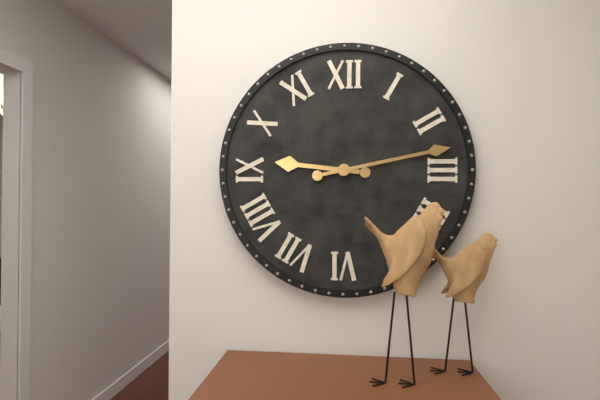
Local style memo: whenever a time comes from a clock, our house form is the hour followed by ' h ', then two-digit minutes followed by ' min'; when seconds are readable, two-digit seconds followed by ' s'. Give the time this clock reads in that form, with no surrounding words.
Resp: 9 h 13 min
